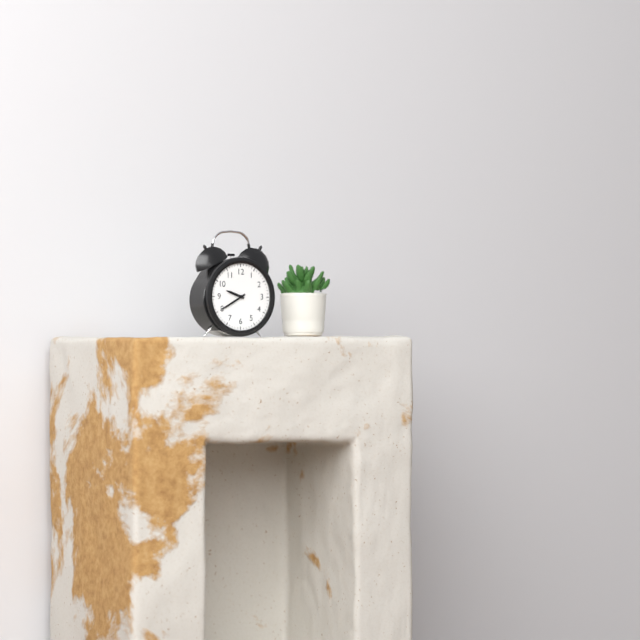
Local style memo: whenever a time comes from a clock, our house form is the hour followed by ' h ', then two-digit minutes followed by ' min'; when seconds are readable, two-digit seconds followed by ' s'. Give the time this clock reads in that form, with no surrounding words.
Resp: 9 h 40 min
